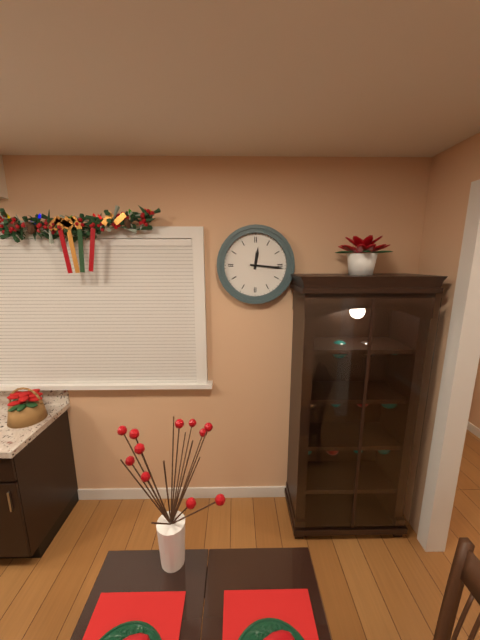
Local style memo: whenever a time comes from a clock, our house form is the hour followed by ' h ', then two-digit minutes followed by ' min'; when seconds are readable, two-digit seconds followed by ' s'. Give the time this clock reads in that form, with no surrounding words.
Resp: 12 h 16 min
